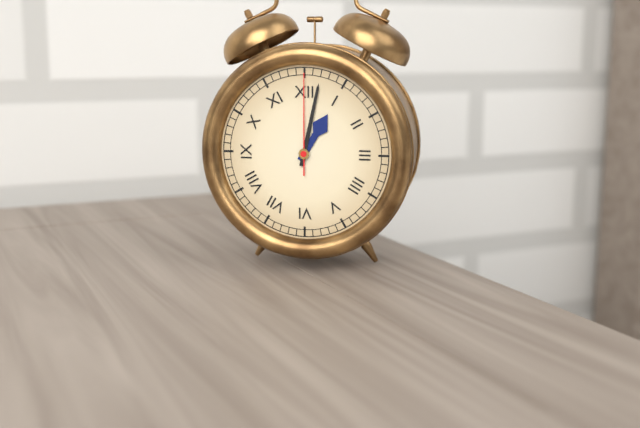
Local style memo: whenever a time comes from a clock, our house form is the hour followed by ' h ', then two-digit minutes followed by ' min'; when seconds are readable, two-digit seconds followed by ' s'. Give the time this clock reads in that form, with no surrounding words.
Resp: 1 h 02 min 00 s
